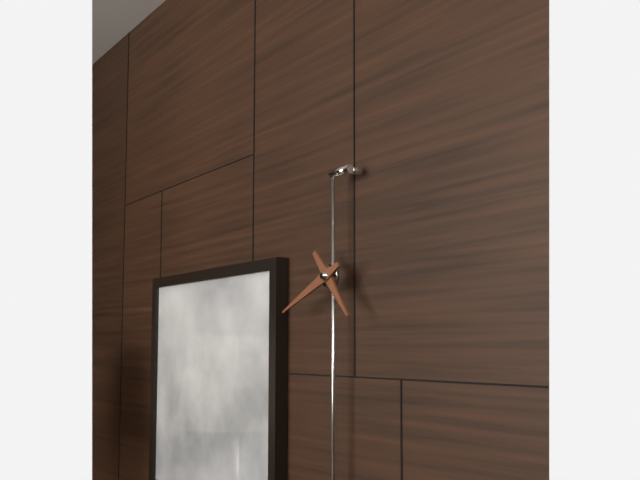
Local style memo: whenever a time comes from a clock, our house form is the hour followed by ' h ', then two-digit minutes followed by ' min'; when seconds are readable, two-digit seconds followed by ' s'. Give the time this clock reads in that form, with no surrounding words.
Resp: 4 h 41 min
